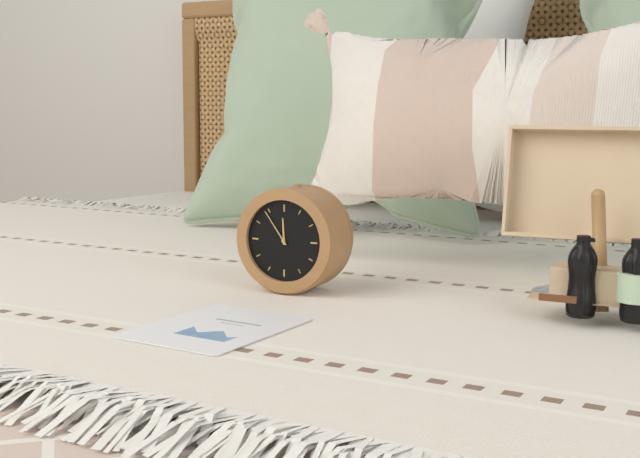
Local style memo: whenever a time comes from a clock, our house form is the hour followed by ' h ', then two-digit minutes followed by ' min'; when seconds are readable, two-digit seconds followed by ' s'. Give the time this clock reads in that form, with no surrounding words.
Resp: 11 h 54 min
